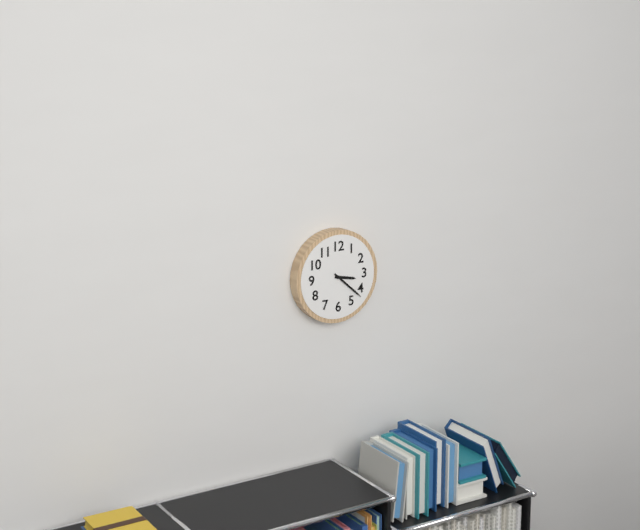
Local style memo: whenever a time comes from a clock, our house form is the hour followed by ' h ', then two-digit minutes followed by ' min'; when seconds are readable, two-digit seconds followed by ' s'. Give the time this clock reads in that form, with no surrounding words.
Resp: 3 h 22 min
